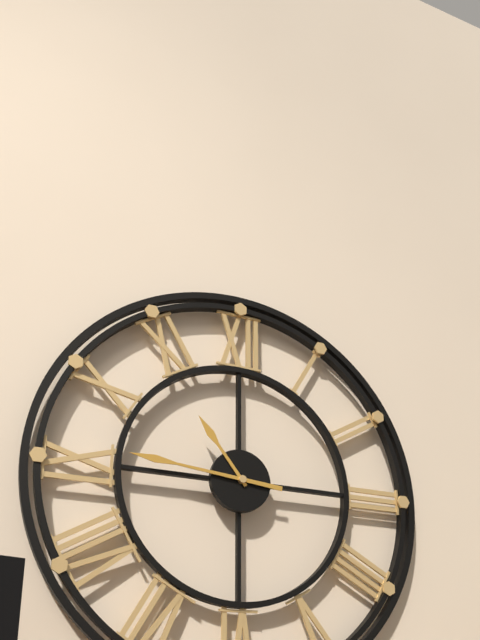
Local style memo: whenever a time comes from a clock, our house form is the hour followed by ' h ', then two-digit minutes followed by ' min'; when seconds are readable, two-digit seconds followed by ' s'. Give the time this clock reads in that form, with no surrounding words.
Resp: 10 h 46 min
